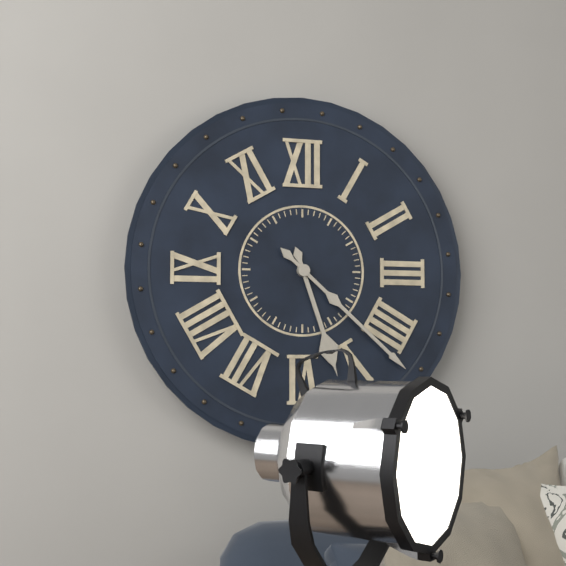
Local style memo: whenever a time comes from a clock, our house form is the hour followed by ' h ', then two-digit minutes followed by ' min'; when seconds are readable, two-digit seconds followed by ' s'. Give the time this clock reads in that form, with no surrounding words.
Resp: 5 h 22 min
